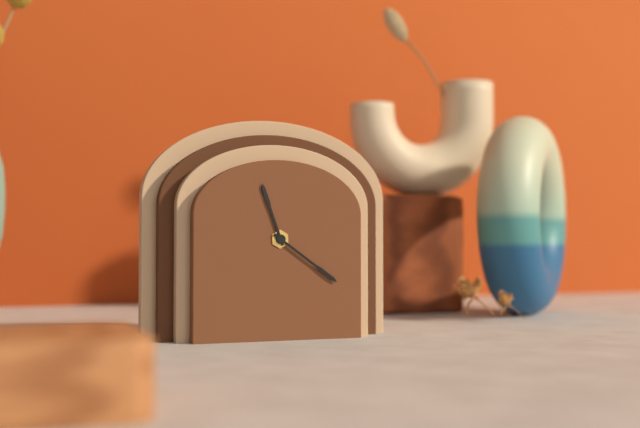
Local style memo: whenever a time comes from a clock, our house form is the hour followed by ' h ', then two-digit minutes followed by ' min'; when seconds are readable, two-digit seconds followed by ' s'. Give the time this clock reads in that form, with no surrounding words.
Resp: 11 h 21 min
